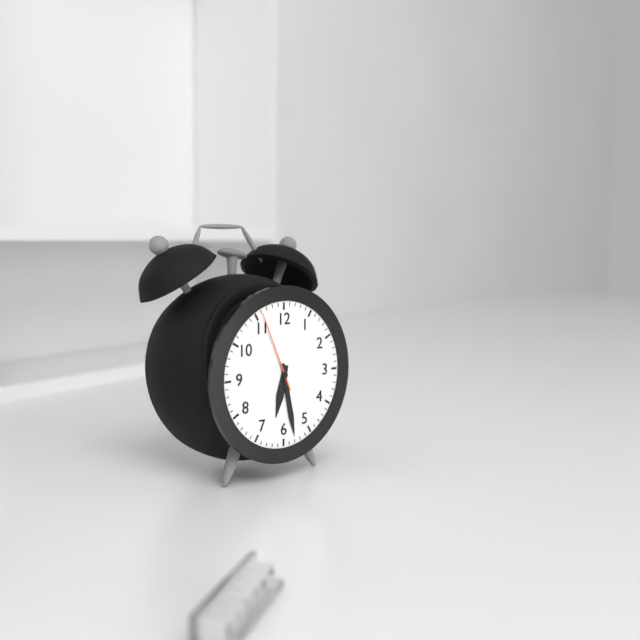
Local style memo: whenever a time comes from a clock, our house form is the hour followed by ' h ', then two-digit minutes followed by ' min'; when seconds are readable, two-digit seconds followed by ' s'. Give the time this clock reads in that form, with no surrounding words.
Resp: 6 h 28 min 56 s
